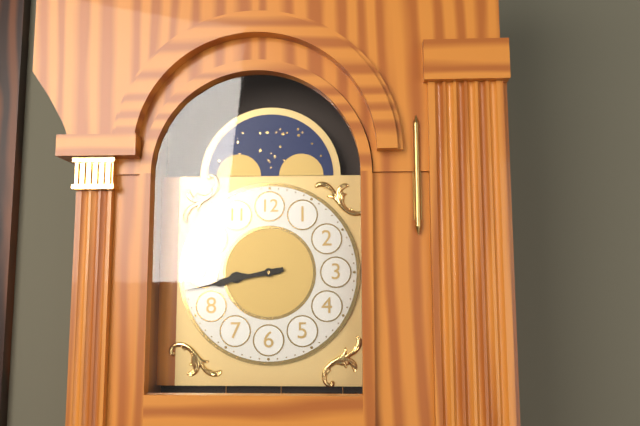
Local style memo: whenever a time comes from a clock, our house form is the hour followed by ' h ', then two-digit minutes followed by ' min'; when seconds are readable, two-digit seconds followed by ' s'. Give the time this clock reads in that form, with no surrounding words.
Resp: 8 h 43 min
